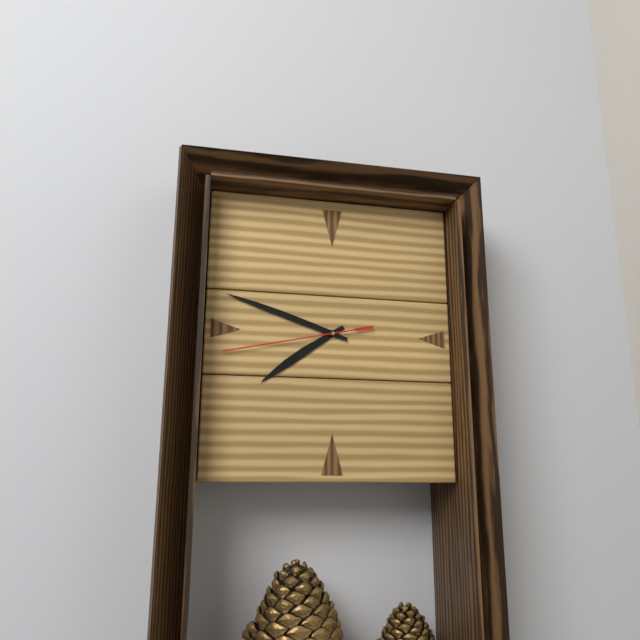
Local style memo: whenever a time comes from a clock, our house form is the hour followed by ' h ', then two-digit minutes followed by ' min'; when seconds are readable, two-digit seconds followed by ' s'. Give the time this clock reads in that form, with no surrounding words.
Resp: 7 h 48 min 43 s
